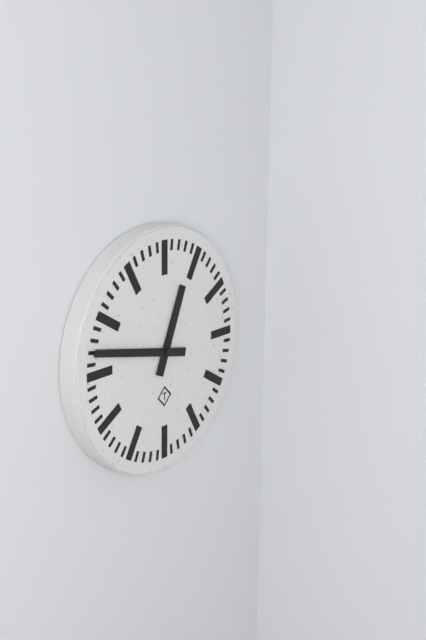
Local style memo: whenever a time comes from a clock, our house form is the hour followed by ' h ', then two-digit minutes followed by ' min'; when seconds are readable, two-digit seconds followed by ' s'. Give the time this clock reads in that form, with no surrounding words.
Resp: 12 h 47 min
